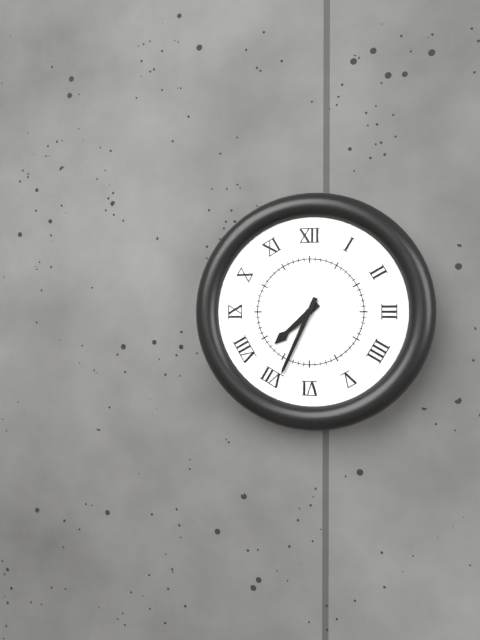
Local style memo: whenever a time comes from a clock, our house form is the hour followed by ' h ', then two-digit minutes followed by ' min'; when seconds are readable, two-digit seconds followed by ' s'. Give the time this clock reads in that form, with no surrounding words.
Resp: 7 h 34 min
